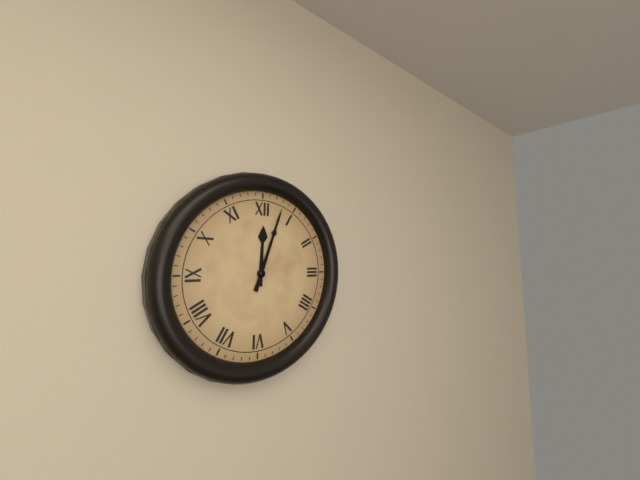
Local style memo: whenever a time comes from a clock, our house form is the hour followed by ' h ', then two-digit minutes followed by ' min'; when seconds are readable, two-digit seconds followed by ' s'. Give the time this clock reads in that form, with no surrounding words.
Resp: 12 h 03 min
